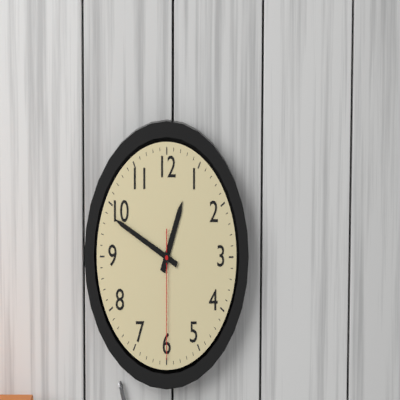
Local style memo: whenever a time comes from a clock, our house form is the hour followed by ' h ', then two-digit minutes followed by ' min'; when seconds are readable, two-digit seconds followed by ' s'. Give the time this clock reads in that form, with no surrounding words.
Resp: 12 h 49 min 30 s
